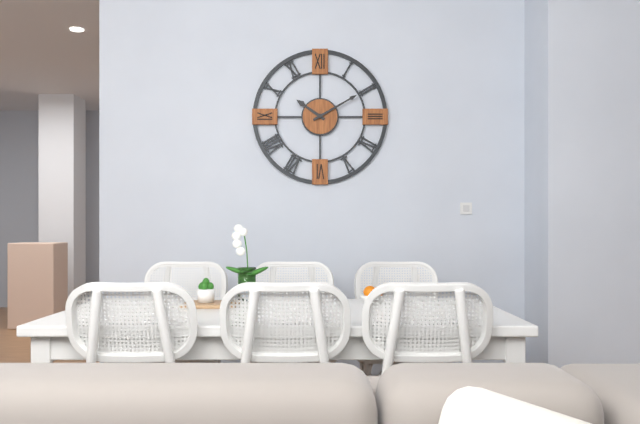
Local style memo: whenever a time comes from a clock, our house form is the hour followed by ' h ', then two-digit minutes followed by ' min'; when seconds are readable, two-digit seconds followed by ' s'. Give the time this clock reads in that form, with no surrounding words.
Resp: 10 h 10 min
